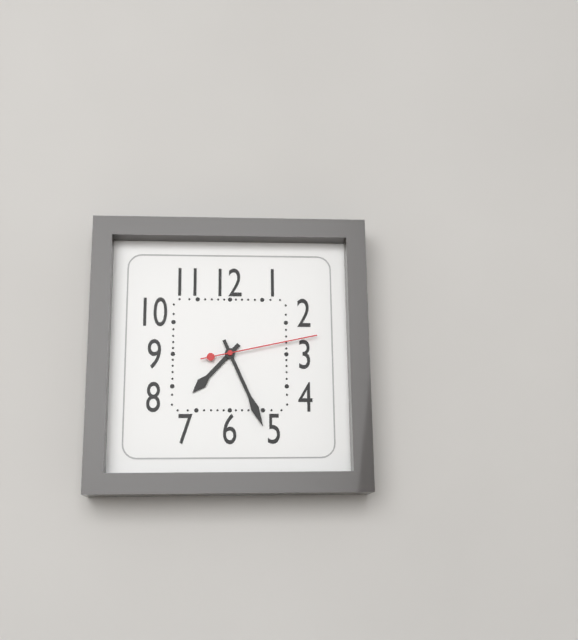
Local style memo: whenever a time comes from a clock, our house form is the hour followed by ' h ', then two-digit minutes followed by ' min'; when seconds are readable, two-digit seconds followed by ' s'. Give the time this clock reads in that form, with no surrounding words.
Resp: 7 h 26 min 13 s
